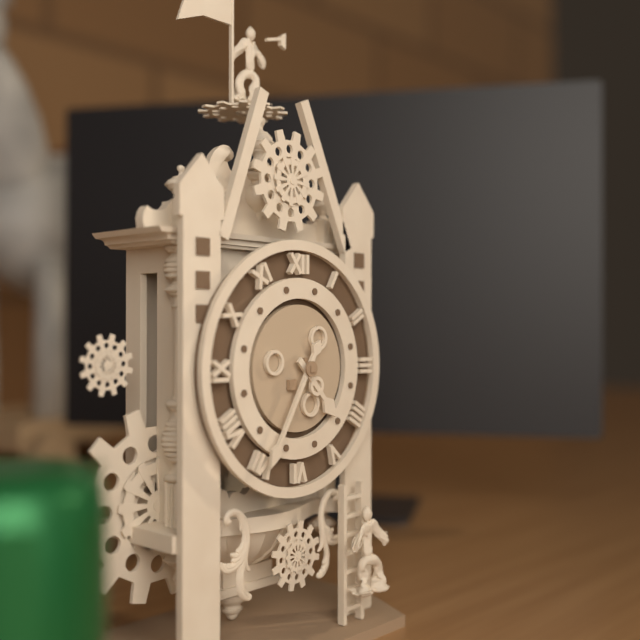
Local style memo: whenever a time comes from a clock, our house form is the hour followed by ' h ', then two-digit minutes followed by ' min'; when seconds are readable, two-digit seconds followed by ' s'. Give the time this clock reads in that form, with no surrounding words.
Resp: 4 h 35 min
